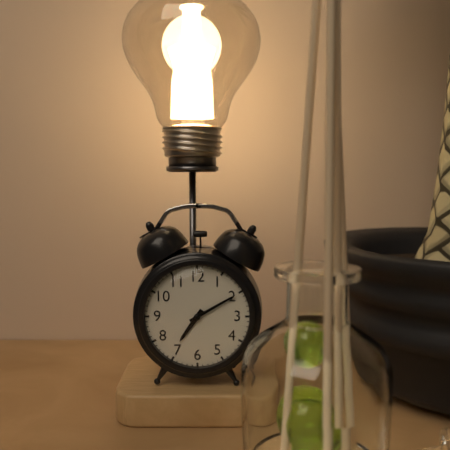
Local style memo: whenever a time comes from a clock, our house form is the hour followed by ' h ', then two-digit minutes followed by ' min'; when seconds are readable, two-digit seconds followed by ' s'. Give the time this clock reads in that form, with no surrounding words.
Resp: 7 h 10 min
